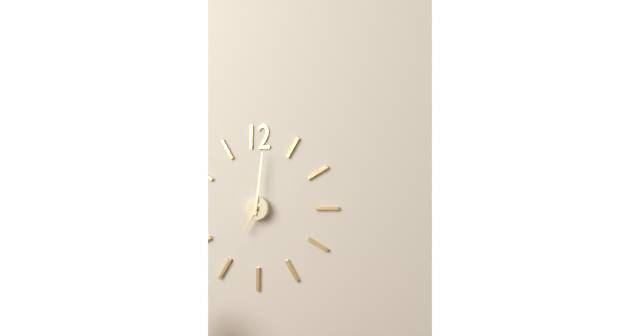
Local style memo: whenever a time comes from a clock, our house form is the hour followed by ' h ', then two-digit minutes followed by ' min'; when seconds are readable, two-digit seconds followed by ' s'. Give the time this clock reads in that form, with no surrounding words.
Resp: 7 h 01 min
